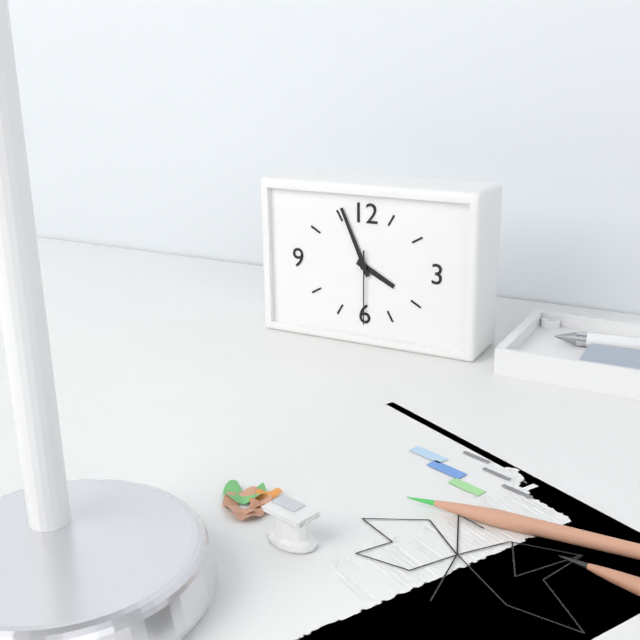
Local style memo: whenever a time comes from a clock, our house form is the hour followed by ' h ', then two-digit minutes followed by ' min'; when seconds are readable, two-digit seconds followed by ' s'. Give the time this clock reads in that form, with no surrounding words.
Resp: 3 h 56 min 30 s
